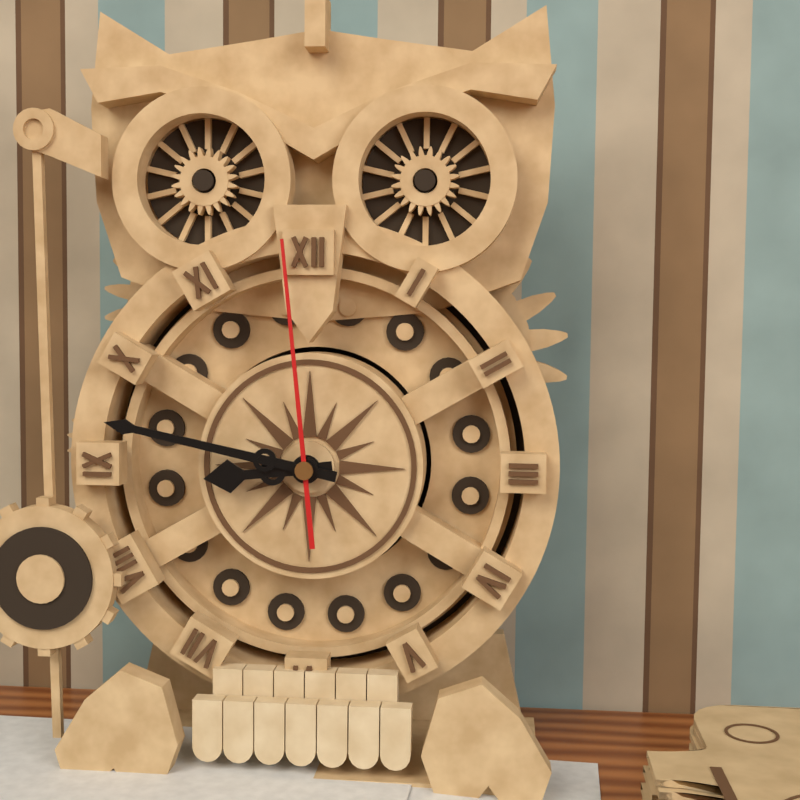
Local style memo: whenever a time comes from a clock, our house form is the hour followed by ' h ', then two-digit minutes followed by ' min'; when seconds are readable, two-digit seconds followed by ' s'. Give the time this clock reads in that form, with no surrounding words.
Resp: 8 h 47 min 59 s
